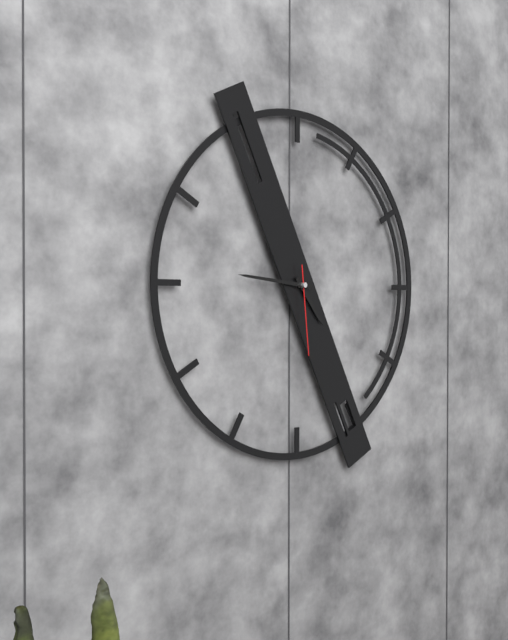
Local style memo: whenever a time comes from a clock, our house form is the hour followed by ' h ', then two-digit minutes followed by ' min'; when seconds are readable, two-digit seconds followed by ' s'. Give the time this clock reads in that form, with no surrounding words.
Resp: 4 h 46 min 29 s
